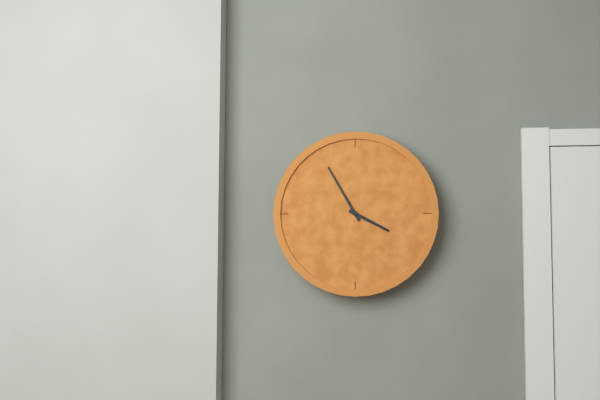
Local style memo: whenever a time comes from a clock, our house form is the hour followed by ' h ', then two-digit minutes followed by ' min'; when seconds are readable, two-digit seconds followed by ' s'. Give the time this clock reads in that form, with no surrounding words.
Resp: 3 h 55 min
